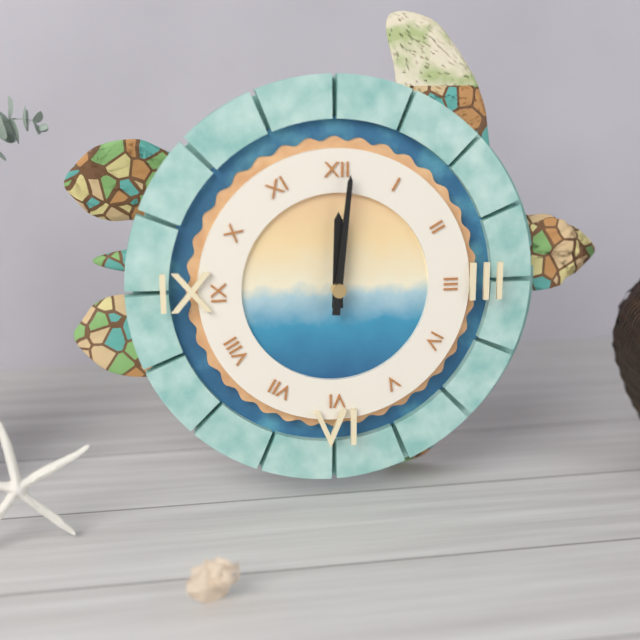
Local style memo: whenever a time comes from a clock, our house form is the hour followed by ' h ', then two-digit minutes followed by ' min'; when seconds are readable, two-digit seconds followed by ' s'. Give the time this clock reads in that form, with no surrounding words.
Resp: 12 h 01 min
